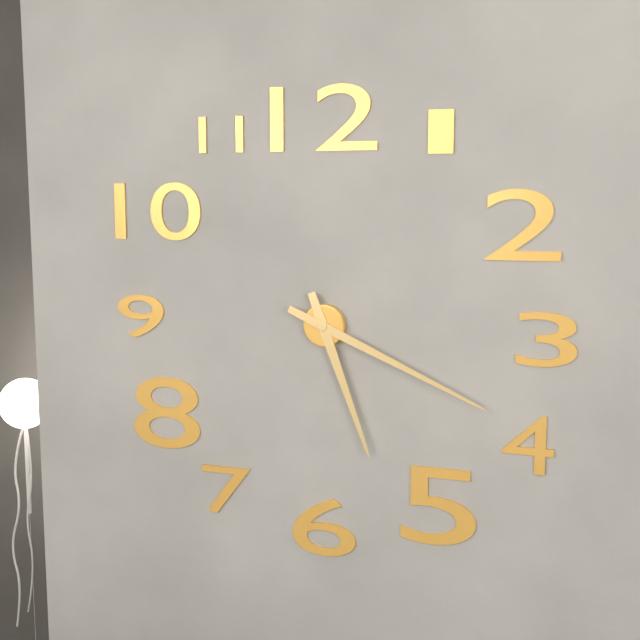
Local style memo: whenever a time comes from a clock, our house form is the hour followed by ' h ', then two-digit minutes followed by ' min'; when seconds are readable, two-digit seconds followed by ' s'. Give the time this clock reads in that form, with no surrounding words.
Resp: 5 h 19 min
